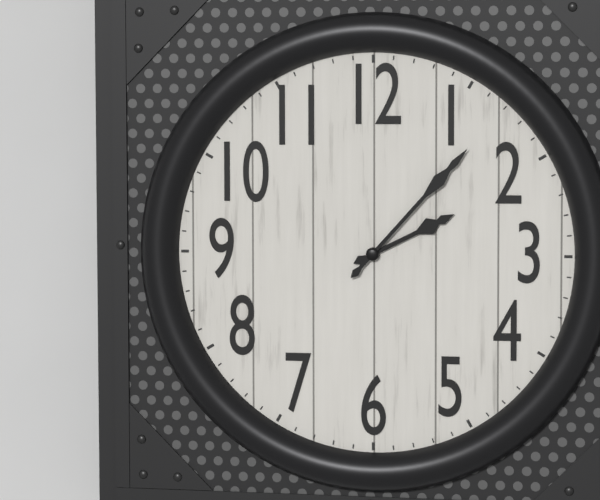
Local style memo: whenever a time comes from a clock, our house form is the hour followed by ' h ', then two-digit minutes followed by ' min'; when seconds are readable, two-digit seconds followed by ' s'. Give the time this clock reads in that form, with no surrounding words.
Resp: 2 h 07 min
